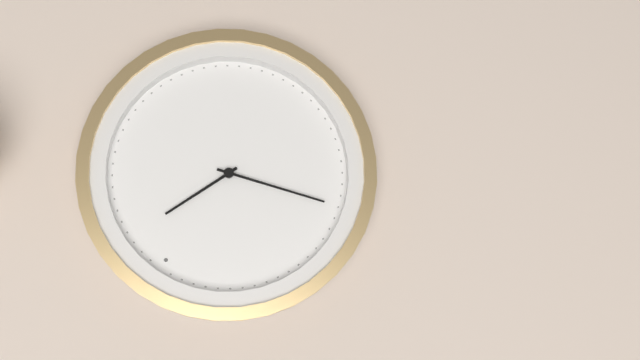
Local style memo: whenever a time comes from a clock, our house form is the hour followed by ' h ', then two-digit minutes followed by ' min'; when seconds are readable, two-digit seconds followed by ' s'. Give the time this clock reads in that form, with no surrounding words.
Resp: 12 h 42 min
